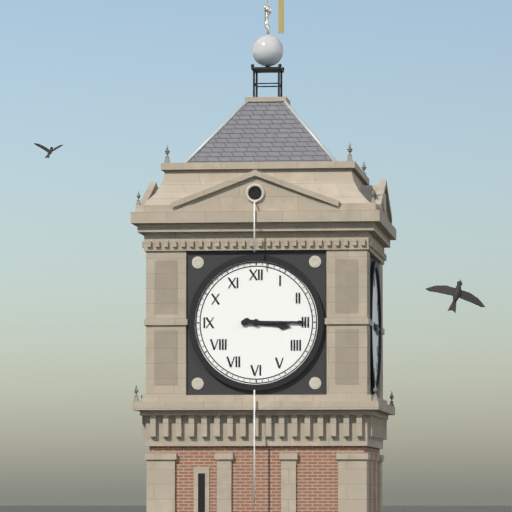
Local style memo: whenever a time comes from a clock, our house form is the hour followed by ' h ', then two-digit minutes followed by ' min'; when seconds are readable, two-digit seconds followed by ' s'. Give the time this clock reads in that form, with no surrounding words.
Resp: 3 h 15 min
